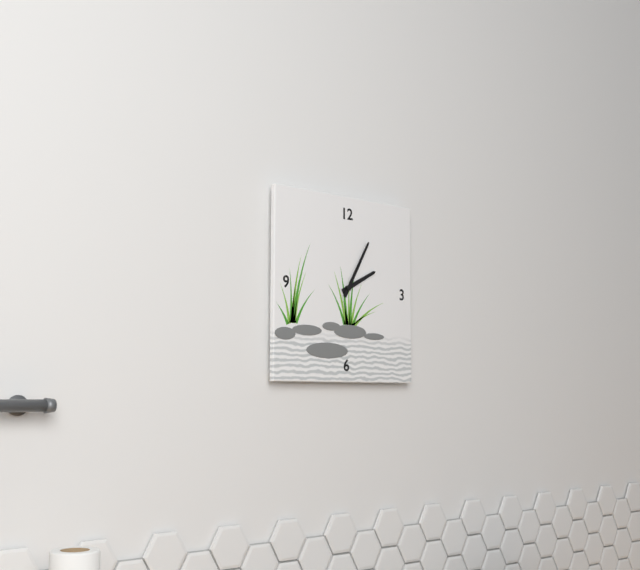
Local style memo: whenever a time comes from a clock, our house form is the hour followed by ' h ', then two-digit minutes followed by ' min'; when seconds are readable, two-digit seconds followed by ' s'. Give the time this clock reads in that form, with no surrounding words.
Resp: 2 h 05 min
